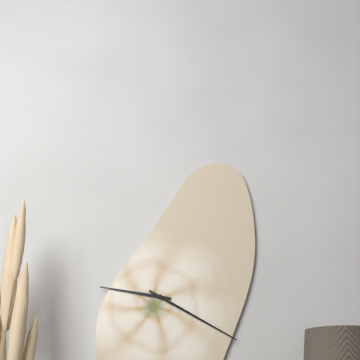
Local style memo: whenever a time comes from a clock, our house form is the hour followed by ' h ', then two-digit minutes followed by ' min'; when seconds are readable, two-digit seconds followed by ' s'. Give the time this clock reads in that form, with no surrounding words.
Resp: 9 h 20 min
